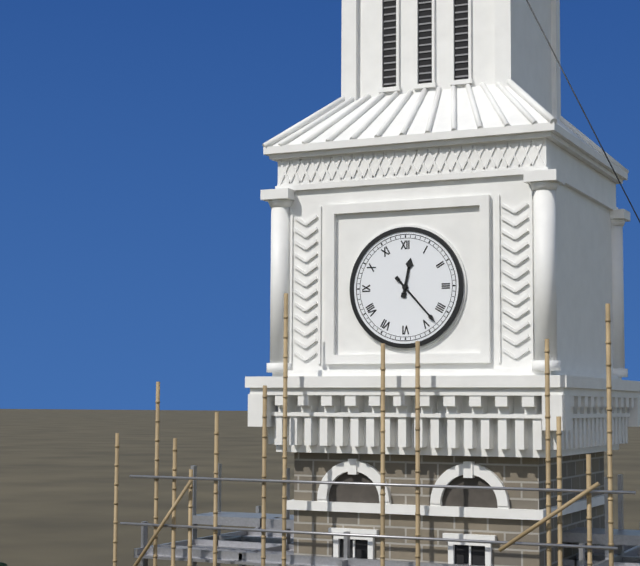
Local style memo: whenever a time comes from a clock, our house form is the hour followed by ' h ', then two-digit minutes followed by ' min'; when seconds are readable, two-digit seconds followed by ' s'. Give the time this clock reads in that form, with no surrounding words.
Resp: 12 h 23 min
